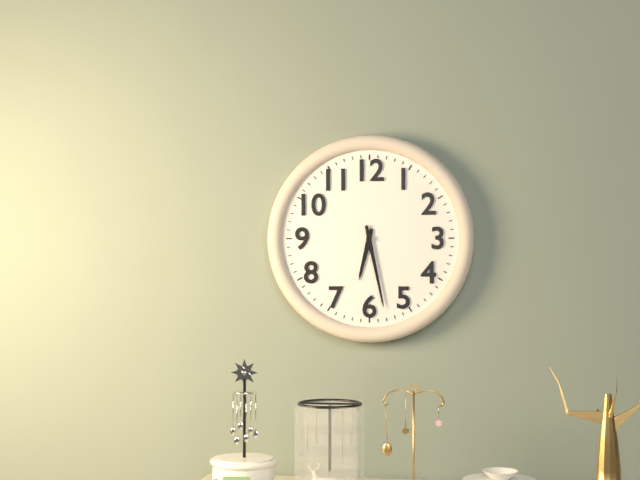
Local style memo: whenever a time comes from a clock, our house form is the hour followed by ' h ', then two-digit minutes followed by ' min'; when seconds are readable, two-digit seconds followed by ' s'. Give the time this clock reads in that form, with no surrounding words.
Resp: 6 h 28 min
